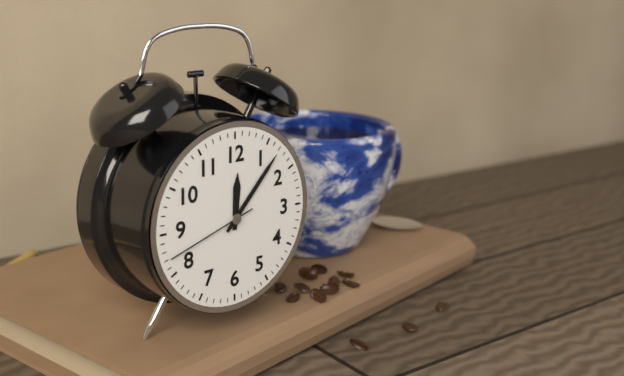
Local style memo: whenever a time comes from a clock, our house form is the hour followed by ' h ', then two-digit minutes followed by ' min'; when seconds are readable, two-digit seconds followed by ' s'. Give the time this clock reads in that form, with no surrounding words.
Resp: 12 h 07 min 42 s
